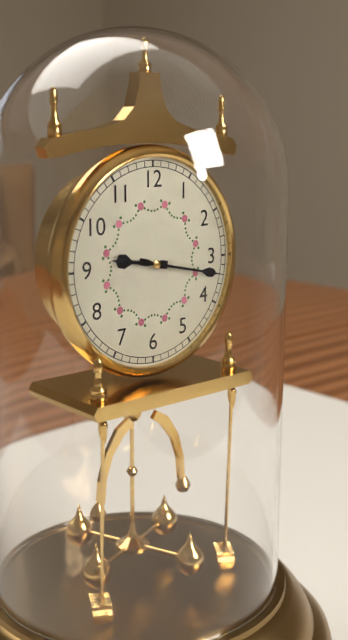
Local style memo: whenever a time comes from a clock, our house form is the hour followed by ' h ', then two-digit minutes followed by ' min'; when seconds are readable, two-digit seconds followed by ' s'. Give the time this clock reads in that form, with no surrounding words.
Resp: 9 h 17 min
